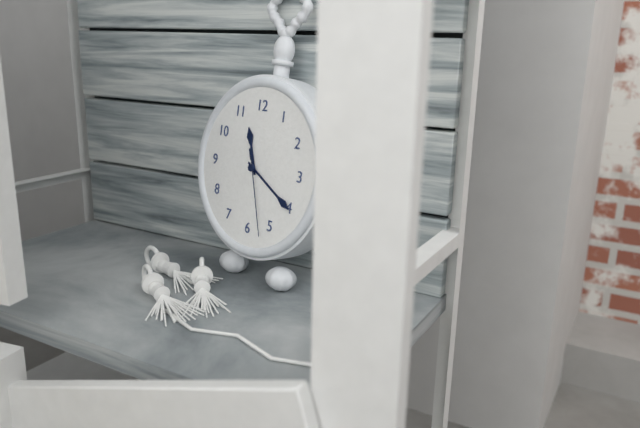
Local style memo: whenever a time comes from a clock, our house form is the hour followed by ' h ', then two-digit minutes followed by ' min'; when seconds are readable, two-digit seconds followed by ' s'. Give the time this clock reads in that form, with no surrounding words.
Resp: 11 h 20 min 27 s
